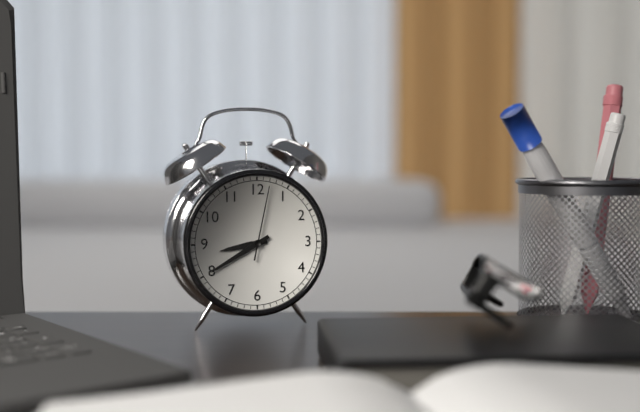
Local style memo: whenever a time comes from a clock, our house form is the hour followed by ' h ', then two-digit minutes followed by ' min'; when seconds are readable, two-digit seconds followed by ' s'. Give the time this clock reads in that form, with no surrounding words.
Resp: 8 h 40 min 02 s
